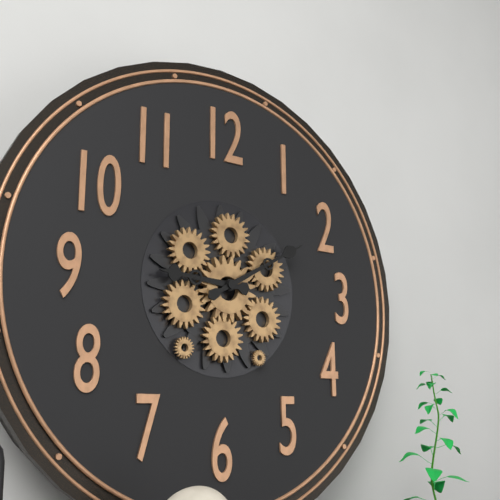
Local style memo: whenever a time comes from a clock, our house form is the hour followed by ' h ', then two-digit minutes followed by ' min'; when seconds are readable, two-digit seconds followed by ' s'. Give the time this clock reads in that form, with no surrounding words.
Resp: 9 h 10 min
